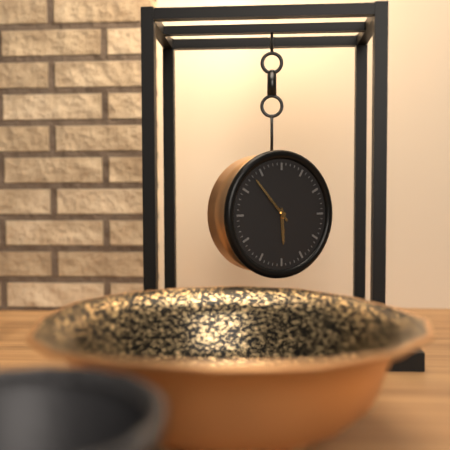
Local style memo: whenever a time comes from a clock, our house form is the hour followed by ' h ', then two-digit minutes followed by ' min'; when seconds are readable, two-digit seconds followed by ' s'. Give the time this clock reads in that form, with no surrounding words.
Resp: 5 h 53 min
